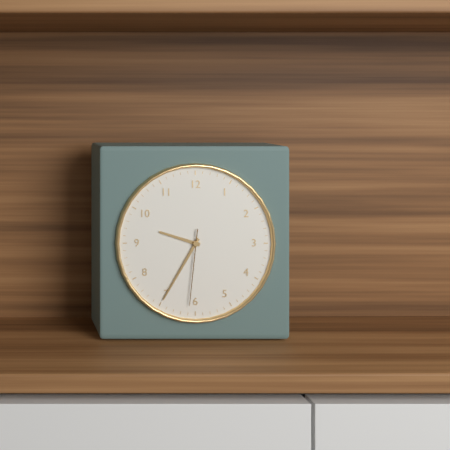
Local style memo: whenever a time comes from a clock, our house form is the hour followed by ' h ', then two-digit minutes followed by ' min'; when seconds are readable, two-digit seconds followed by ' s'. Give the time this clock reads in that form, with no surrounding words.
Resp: 9 h 35 min 31 s
